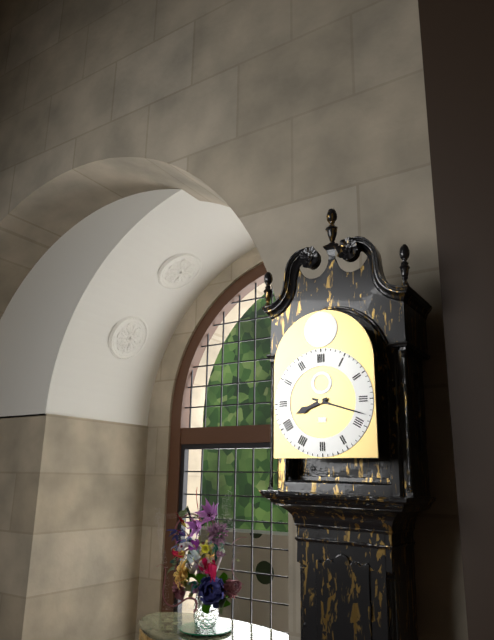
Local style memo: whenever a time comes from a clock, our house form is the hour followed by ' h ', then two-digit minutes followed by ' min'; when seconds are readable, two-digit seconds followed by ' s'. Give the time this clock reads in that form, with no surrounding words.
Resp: 8 h 18 min
